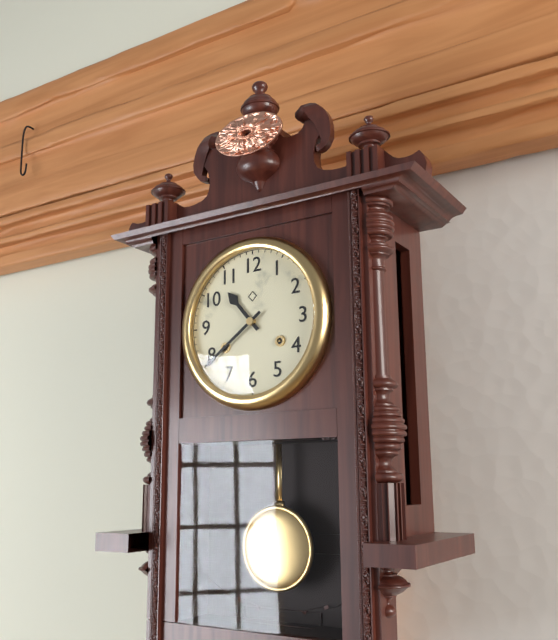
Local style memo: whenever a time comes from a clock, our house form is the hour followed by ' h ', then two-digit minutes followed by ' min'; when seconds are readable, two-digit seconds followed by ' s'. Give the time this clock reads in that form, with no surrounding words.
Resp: 10 h 39 min
